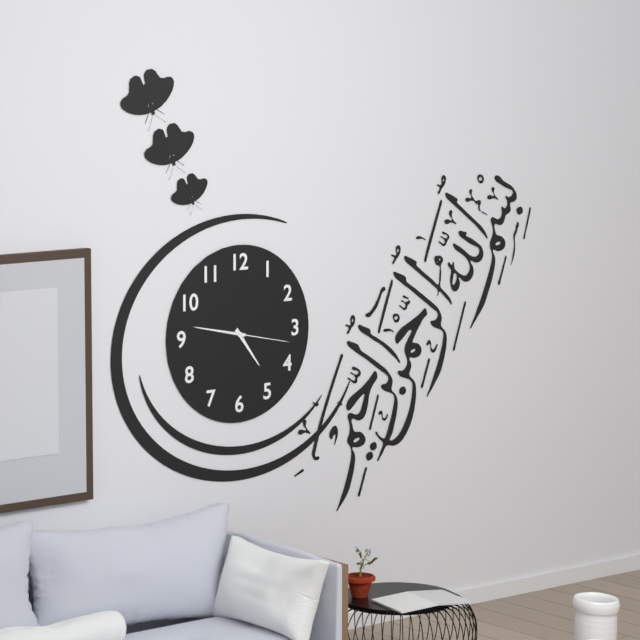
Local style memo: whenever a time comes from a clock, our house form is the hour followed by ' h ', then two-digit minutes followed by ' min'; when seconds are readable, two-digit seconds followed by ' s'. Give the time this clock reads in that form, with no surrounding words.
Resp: 4 h 47 min 17 s
